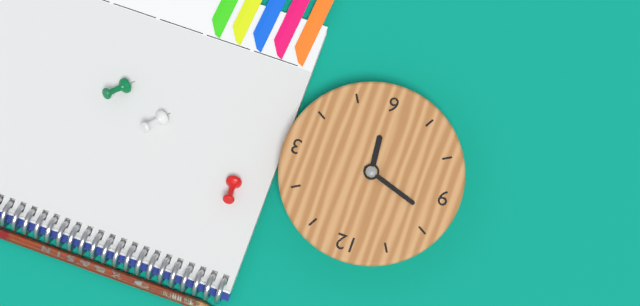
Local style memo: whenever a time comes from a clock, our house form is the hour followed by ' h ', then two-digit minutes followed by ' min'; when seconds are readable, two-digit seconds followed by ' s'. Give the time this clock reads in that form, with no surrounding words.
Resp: 5 h 48 min
